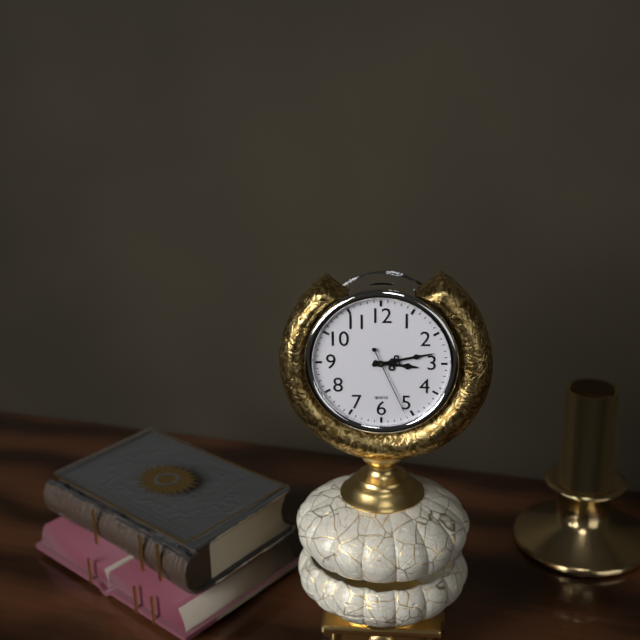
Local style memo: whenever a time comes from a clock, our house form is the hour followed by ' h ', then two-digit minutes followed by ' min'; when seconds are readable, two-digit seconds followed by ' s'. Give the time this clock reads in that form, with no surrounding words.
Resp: 3 h 13 min 26 s
